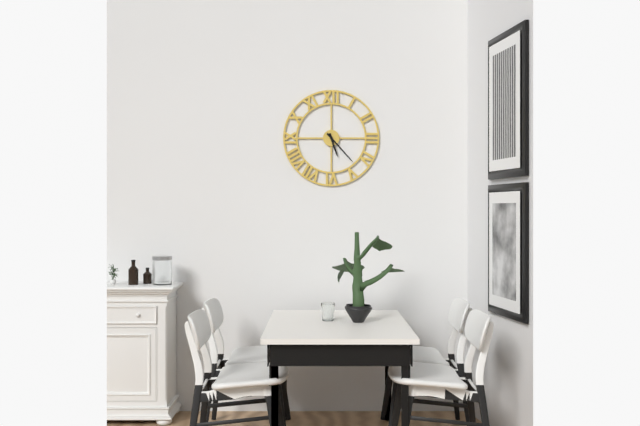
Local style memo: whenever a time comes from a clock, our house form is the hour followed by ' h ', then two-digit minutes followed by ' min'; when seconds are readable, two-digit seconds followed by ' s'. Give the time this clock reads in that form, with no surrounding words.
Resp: 5 h 23 min
